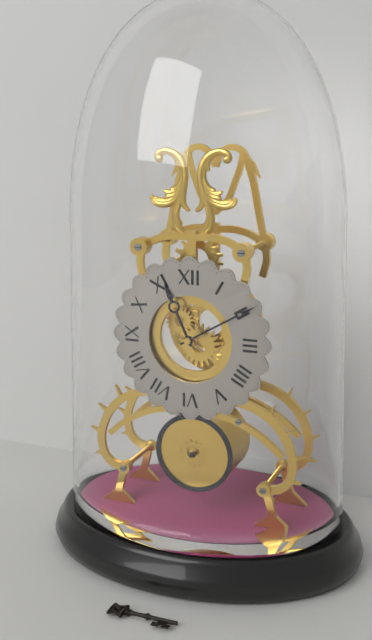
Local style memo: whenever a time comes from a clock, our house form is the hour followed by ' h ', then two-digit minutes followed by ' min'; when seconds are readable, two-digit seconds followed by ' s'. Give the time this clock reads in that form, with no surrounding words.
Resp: 11 h 10 min
